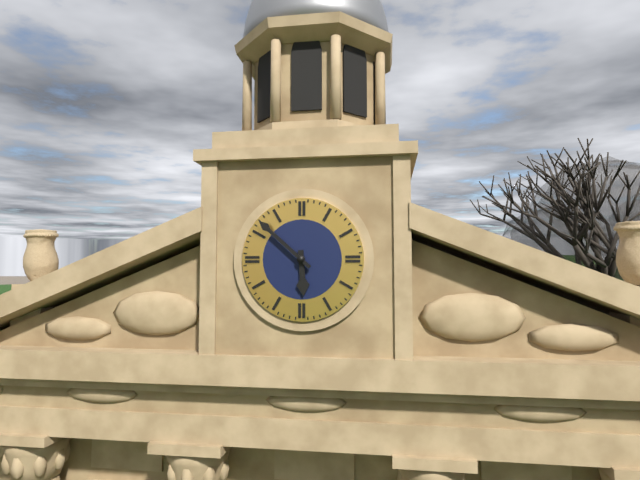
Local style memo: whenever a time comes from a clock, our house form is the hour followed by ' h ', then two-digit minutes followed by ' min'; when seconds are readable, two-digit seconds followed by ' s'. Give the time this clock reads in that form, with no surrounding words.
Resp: 5 h 52 min
